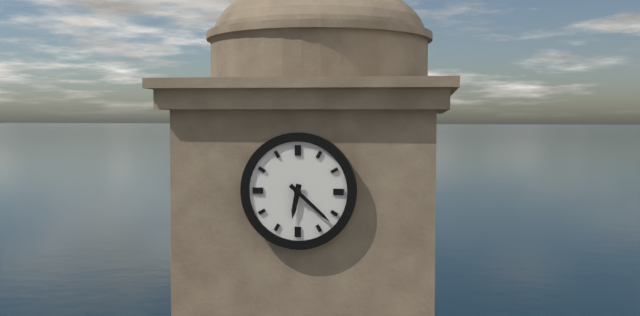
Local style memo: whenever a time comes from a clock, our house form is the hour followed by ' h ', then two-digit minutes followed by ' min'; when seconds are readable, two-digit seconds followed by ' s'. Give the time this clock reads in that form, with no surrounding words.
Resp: 6 h 22 min
